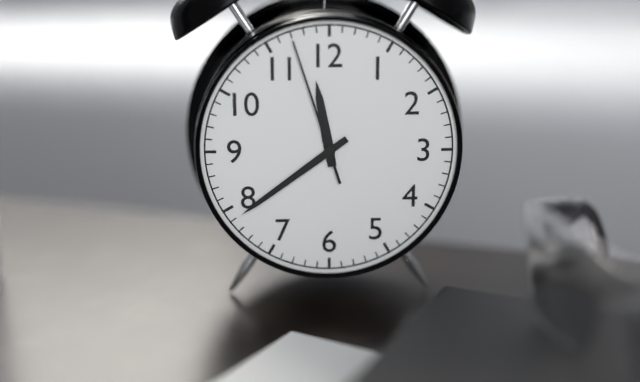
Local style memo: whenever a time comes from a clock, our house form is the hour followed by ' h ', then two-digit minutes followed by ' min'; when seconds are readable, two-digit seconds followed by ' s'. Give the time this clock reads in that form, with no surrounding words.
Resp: 11 h 39 min 57 s
